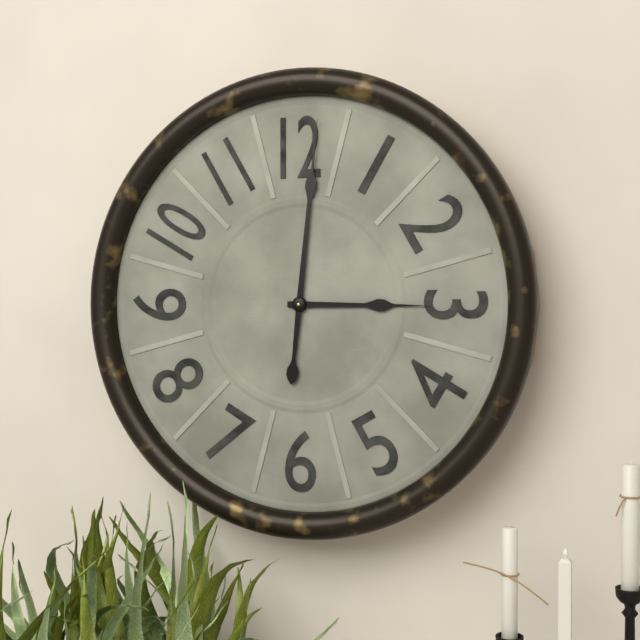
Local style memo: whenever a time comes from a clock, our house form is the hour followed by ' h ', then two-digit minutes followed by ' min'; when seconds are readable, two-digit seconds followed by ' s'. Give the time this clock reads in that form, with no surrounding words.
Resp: 3 h 01 min
